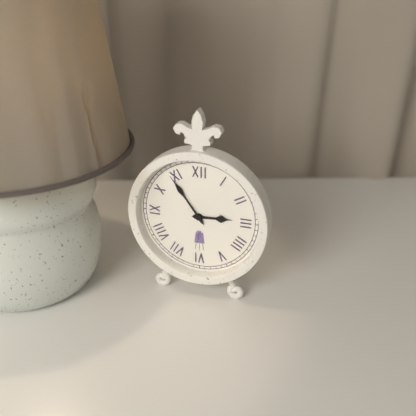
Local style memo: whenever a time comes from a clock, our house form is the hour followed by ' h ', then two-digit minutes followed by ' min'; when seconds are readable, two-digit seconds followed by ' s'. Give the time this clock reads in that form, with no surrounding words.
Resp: 2 h 54 min
